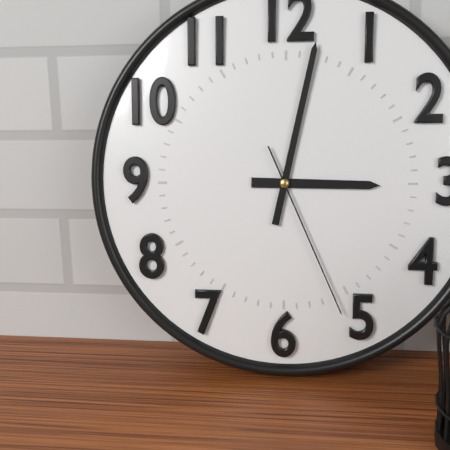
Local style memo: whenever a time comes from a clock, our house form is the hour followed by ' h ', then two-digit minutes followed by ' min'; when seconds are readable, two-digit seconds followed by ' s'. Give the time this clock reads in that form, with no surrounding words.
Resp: 3 h 02 min 26 s
